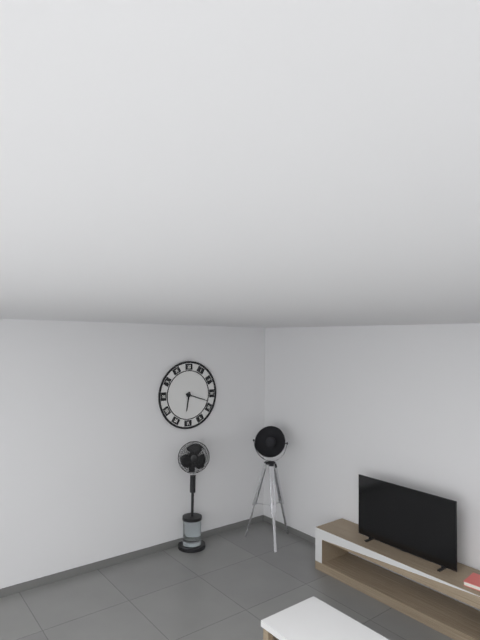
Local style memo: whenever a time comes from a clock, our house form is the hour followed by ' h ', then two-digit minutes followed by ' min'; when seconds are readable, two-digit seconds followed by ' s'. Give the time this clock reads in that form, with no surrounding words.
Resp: 6 h 18 min
